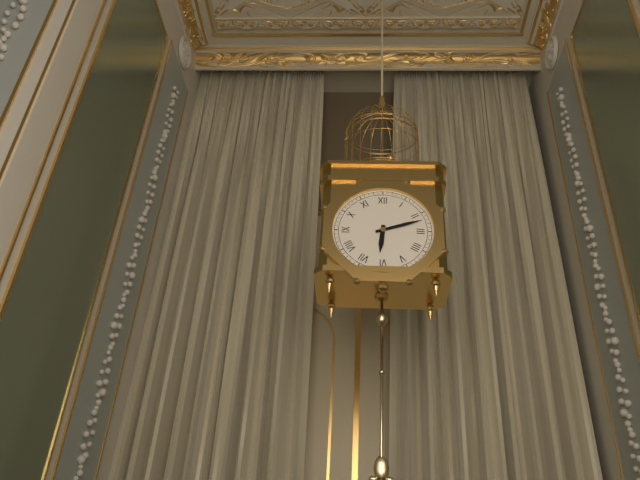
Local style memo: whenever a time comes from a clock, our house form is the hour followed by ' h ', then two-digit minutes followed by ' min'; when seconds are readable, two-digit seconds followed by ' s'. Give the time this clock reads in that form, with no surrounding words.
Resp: 6 h 12 min
